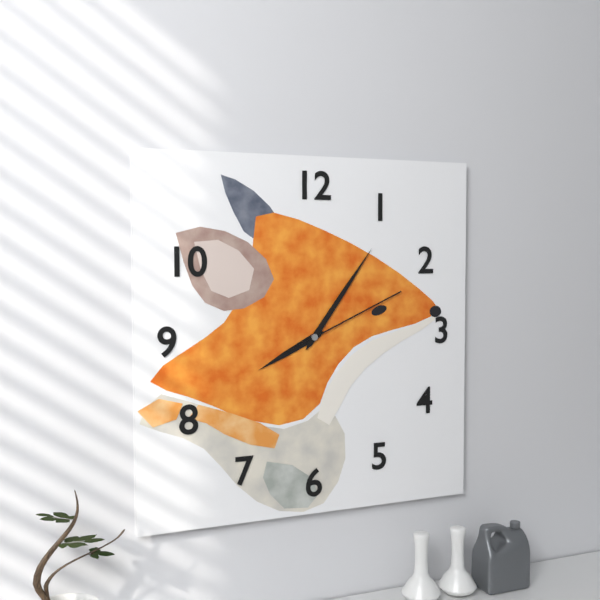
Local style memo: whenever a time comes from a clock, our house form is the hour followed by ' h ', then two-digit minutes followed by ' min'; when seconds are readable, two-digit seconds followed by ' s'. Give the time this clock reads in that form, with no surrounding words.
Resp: 8 h 06 min 11 s
